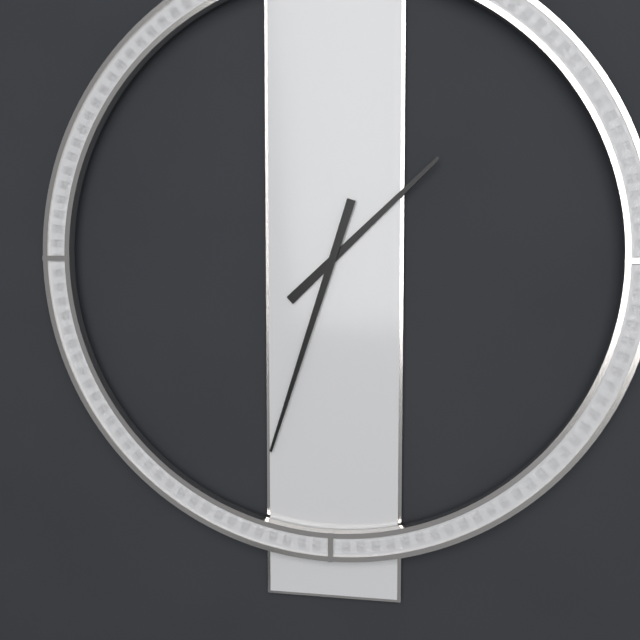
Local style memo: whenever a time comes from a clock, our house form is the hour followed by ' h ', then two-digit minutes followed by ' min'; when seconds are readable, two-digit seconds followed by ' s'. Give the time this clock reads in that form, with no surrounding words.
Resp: 1 h 33 min
